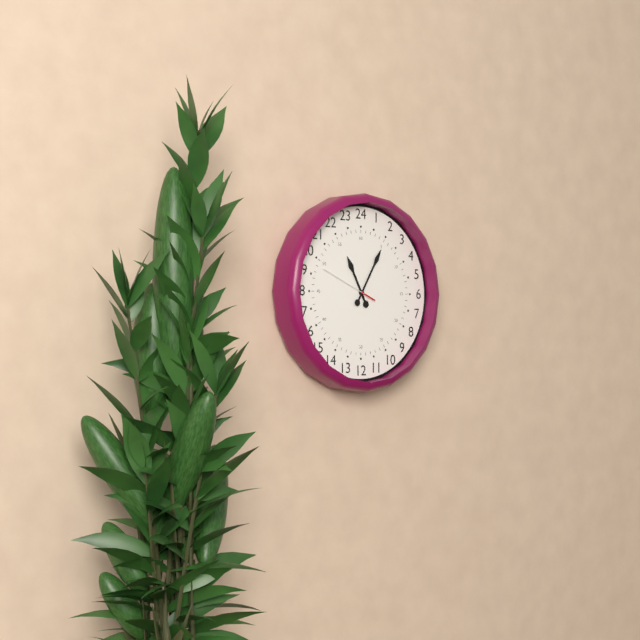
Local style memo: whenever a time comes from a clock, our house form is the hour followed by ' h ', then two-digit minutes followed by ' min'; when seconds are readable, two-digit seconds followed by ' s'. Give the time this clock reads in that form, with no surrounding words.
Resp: 11 h 05 min
